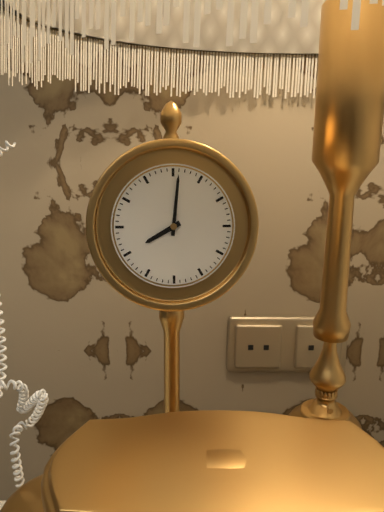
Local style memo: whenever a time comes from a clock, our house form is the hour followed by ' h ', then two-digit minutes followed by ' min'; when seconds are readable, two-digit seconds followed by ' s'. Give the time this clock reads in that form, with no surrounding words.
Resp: 8 h 01 min
